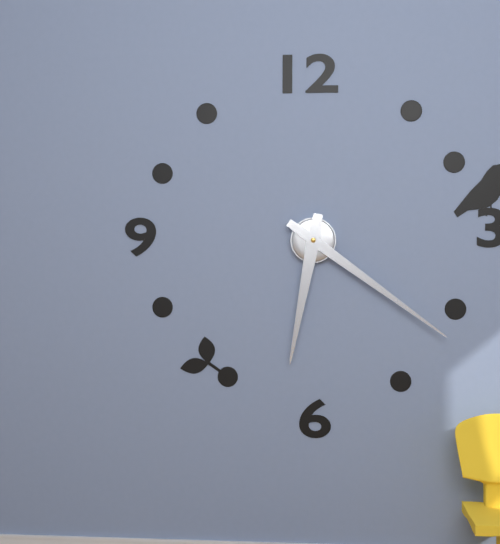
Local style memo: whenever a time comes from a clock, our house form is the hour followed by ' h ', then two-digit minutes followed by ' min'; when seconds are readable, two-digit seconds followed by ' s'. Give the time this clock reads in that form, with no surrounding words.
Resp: 6 h 21 min
